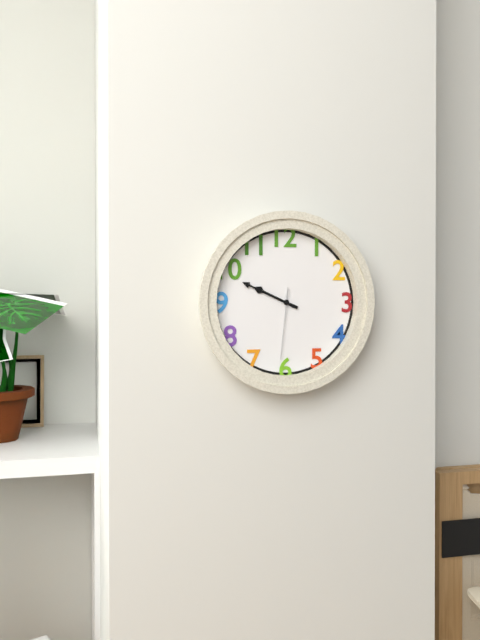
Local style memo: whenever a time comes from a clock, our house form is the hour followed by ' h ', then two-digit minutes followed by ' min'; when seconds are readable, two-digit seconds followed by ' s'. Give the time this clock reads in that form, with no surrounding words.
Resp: 9 h 49 min 31 s
